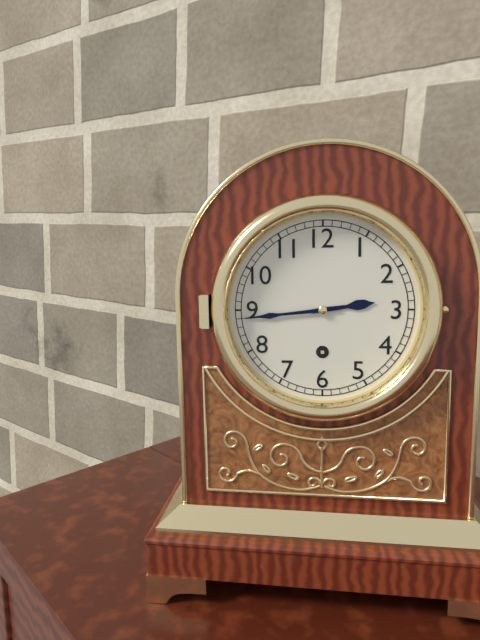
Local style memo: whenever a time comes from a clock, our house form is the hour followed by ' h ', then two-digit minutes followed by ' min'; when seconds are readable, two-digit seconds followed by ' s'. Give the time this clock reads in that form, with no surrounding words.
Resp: 2 h 44 min
